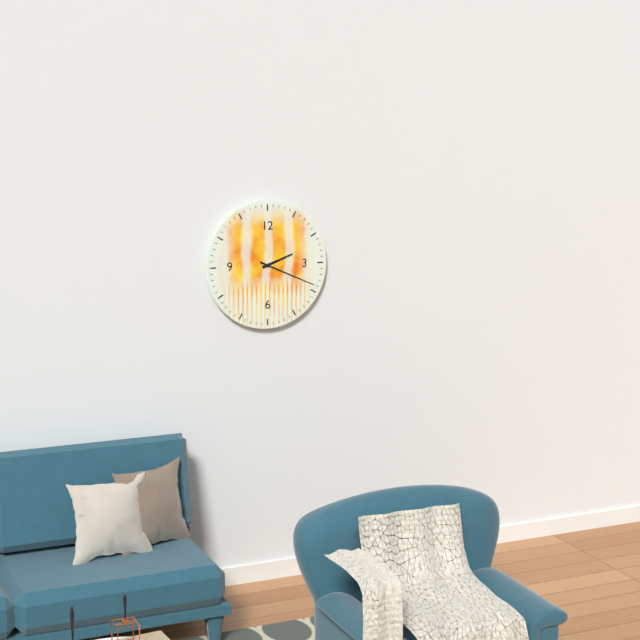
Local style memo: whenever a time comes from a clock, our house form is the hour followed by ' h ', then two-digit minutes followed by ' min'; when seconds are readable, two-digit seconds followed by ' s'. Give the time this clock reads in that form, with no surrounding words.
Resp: 2 h 19 min
